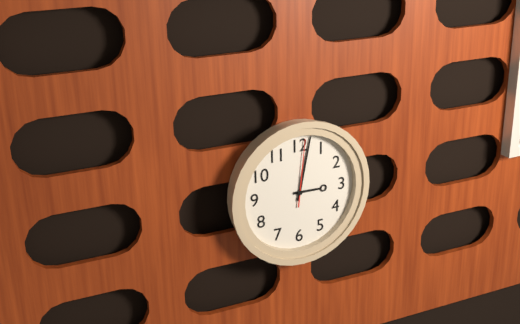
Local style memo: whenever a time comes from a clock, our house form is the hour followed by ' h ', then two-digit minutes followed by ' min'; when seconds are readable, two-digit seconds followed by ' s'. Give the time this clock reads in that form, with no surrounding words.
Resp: 3 h 02 min 01 s
